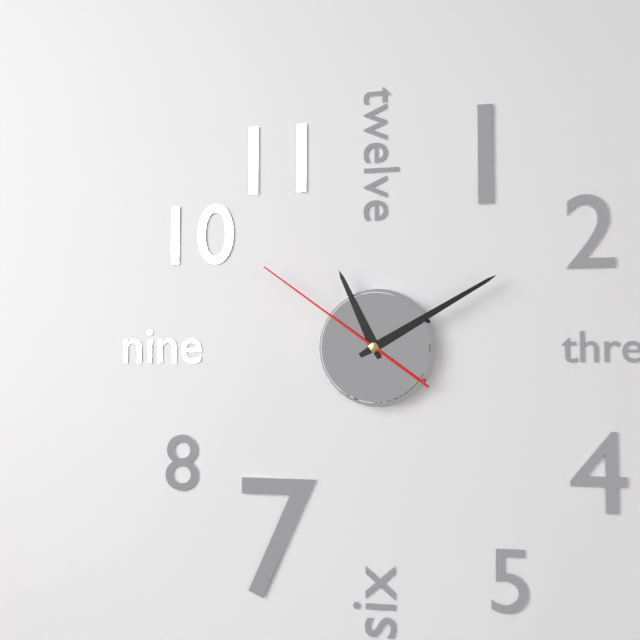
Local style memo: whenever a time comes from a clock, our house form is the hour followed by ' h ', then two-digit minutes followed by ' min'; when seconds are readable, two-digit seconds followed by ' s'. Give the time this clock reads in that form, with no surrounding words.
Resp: 11 h 10 min 51 s
